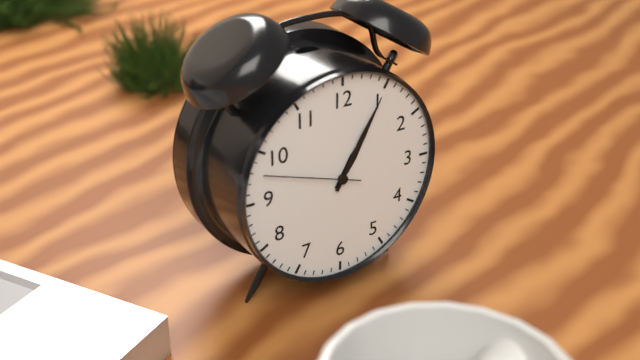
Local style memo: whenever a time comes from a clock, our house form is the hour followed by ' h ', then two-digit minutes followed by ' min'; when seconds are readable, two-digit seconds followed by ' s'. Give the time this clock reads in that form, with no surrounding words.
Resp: 1 h 05 min 48 s
